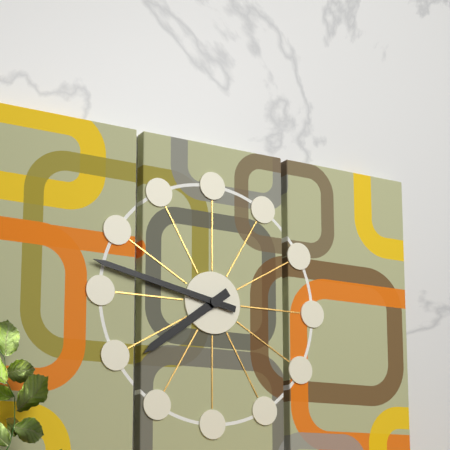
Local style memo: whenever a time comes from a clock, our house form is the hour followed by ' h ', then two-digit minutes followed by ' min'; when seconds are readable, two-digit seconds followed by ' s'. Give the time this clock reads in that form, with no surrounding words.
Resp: 7 h 47 min
